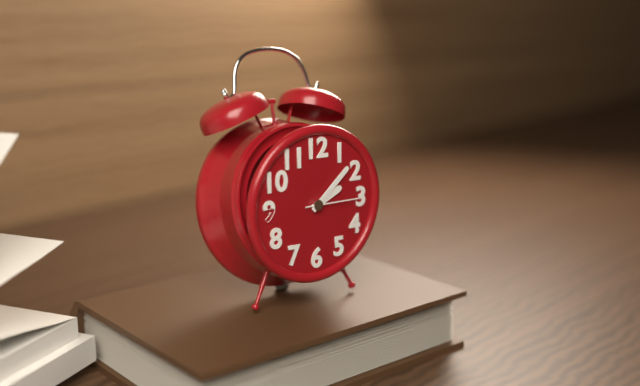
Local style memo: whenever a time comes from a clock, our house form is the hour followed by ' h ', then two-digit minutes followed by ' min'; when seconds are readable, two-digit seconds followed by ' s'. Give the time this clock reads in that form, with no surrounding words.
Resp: 2 h 08 min 15 s
